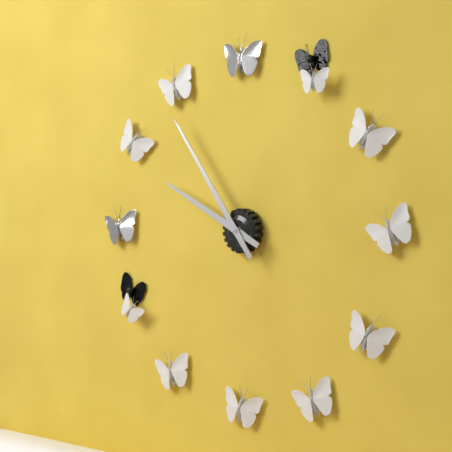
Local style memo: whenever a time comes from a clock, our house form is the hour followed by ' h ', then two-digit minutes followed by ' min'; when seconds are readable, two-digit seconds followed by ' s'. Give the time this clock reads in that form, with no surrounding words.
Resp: 9 h 54 min
